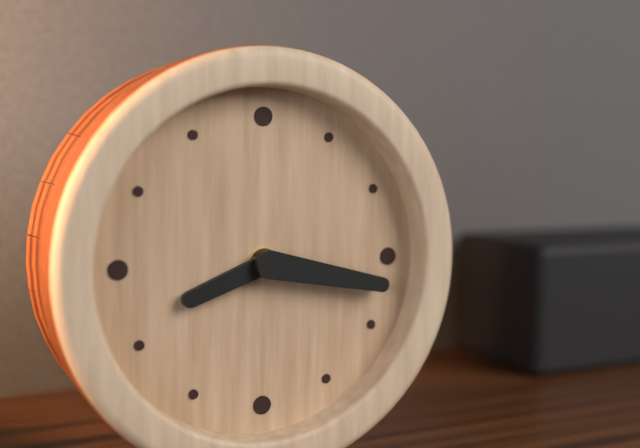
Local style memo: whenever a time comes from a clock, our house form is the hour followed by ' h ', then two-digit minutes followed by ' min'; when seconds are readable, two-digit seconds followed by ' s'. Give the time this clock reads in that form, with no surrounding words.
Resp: 8 h 17 min
